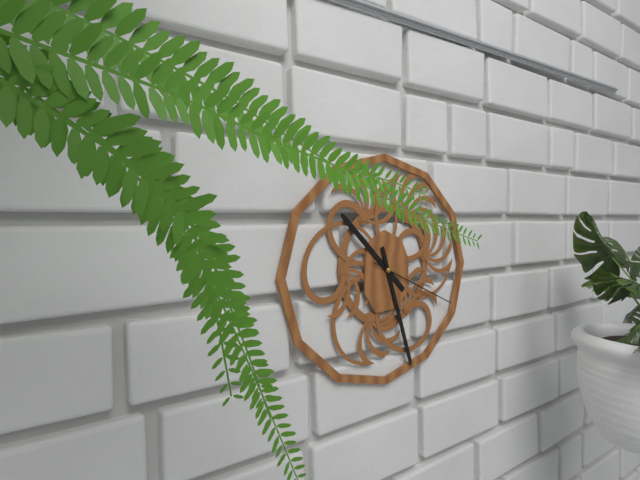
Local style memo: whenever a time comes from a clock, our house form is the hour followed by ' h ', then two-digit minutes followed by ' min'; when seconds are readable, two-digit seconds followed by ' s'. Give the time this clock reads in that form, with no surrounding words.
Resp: 10 h 27 min 19 s
